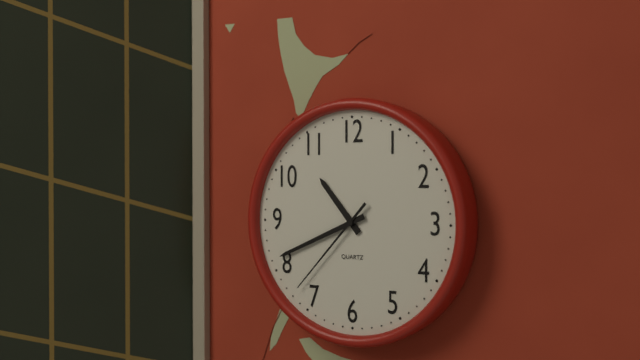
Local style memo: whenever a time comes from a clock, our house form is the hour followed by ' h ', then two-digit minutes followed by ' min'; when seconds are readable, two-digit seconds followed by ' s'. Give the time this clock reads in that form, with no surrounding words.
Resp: 10 h 41 min 37 s
